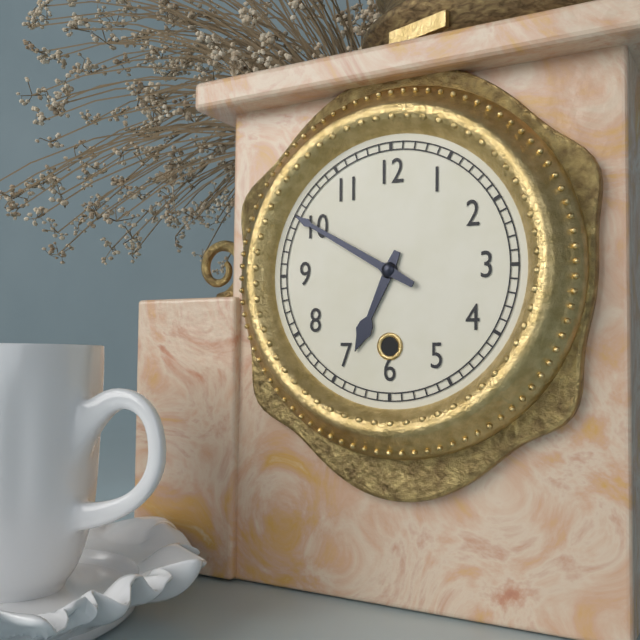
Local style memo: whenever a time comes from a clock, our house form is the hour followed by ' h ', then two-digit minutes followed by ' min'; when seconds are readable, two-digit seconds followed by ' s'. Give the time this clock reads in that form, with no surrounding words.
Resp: 6 h 50 min
